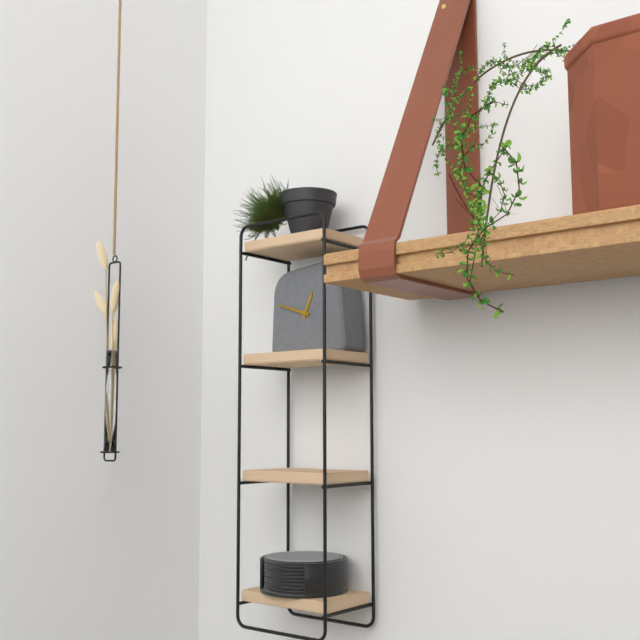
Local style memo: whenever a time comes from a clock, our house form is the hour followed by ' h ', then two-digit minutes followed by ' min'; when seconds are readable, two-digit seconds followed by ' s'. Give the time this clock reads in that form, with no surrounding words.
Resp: 12 h 48 min
